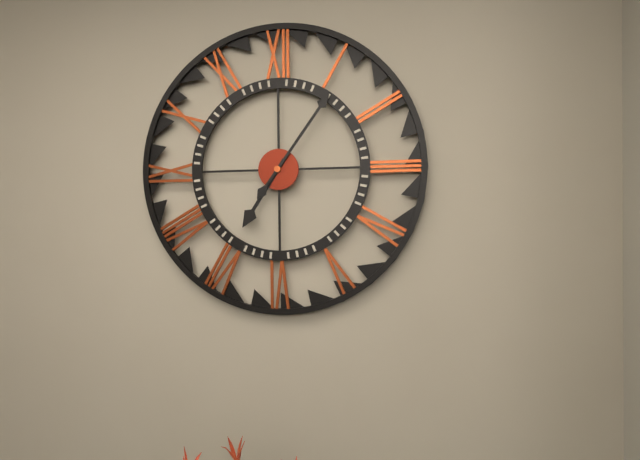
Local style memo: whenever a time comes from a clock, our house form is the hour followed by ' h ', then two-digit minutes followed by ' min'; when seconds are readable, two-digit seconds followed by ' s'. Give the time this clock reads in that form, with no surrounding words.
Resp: 7 h 06 min
